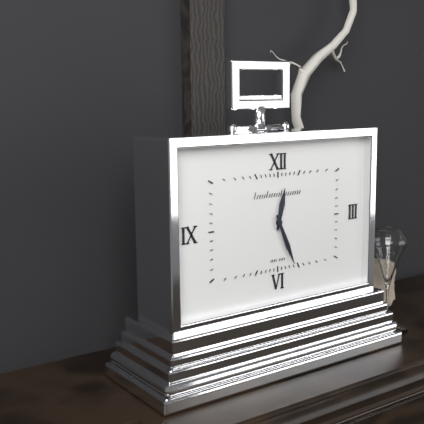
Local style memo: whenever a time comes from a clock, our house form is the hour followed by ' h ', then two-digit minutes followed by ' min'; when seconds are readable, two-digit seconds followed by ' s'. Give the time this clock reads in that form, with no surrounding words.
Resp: 12 h 26 min
